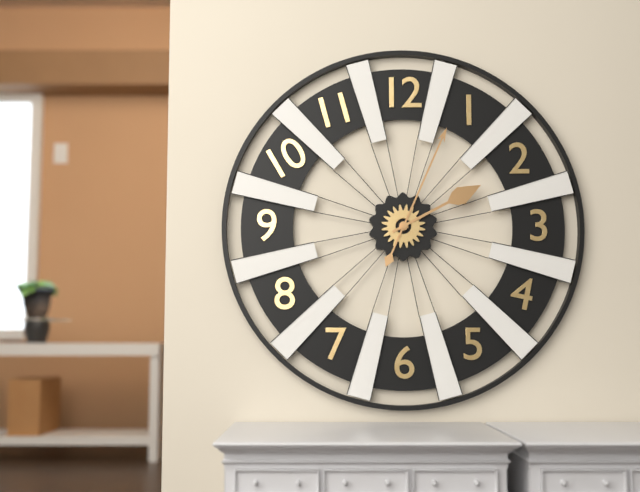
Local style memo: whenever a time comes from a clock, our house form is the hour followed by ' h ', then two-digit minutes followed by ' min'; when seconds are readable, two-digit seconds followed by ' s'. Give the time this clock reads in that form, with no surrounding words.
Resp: 2 h 04 min
